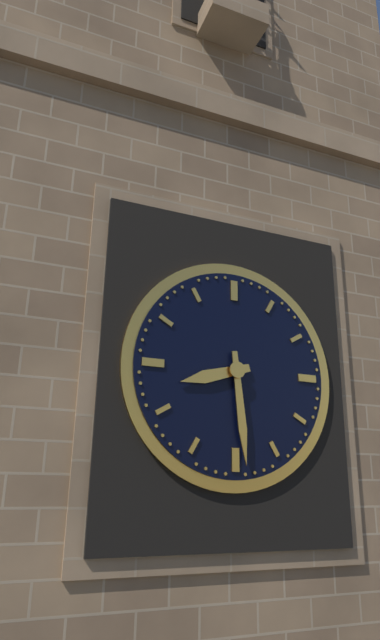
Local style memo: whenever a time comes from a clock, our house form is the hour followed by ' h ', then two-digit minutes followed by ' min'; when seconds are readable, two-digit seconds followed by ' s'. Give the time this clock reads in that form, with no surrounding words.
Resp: 8 h 29 min
